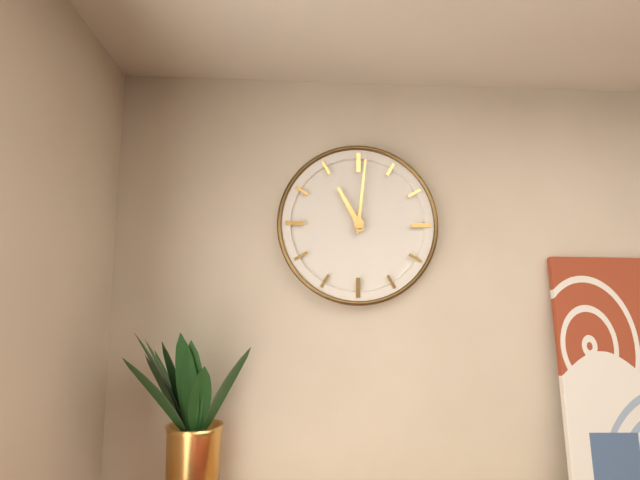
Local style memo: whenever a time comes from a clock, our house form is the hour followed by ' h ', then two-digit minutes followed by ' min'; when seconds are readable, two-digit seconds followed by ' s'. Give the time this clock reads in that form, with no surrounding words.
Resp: 11 h 01 min
